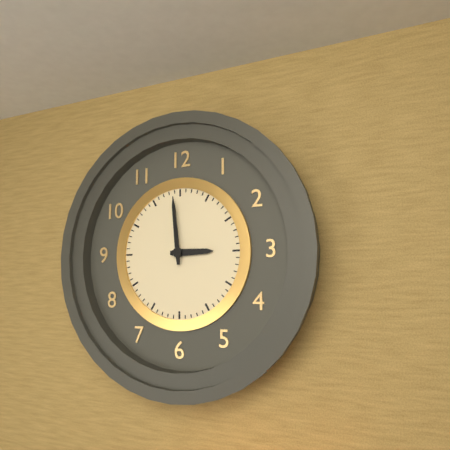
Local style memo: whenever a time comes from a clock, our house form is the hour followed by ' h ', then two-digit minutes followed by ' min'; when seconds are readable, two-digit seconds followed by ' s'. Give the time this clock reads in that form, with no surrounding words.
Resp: 2 h 59 min
